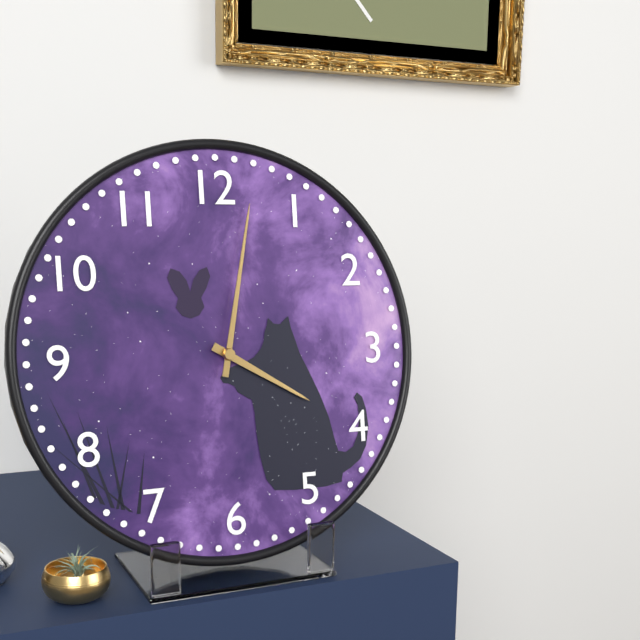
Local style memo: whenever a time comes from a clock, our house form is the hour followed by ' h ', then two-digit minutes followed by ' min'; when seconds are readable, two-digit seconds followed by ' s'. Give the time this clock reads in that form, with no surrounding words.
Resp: 4 h 02 min
